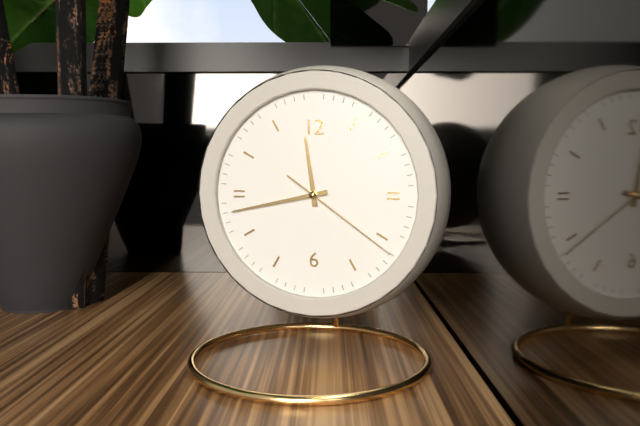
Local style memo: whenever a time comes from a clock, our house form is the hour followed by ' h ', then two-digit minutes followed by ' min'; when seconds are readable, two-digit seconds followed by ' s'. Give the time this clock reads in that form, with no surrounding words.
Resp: 11 h 43 min 21 s
